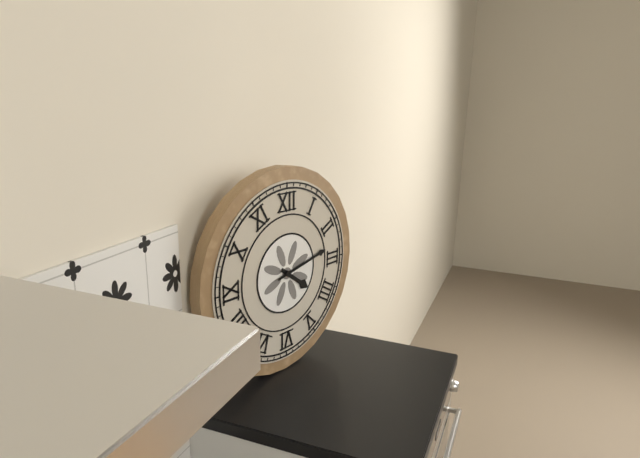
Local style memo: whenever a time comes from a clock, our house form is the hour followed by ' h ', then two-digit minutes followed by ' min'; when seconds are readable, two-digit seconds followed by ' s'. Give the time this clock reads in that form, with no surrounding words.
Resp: 4 h 13 min
